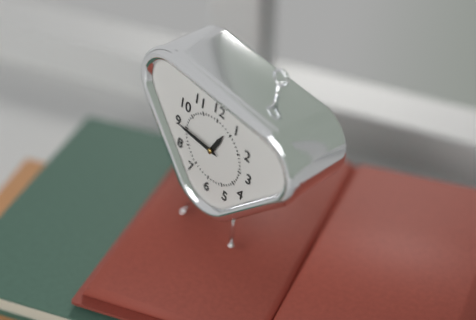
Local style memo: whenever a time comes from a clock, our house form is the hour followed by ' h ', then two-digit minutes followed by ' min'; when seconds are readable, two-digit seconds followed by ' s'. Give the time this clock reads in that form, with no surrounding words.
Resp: 12 h 45 min
